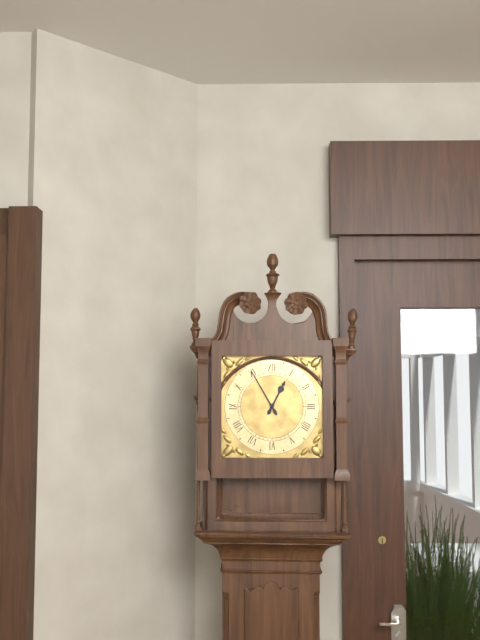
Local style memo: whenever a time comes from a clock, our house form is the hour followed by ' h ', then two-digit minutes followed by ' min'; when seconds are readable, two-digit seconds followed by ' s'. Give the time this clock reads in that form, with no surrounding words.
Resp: 12 h 55 min
